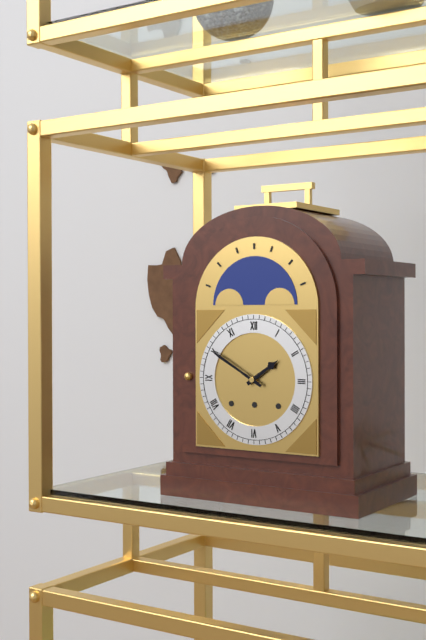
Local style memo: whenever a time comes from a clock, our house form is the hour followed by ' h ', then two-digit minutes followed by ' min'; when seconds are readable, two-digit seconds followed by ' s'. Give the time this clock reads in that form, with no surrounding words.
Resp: 1 h 50 min
